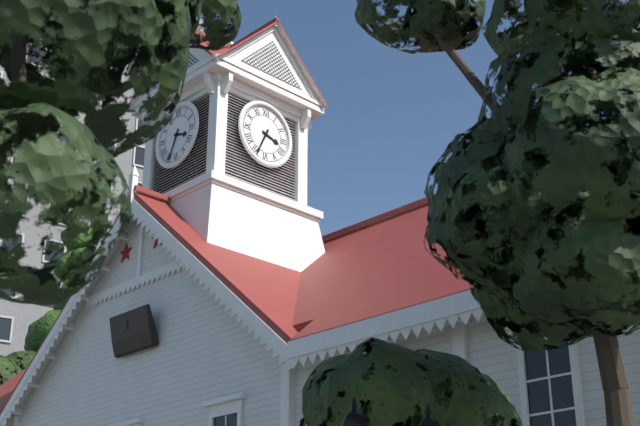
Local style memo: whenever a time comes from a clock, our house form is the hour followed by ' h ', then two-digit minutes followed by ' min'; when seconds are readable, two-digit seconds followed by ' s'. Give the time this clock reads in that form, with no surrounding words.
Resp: 3 h 34 min
